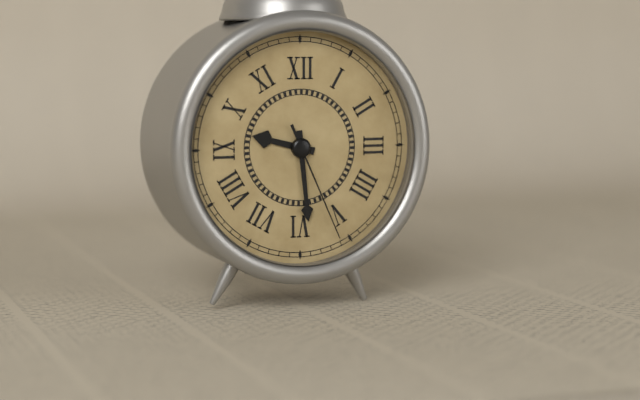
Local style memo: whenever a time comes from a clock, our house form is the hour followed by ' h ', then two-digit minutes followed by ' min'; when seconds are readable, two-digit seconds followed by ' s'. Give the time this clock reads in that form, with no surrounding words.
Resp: 9 h 29 min 26 s
